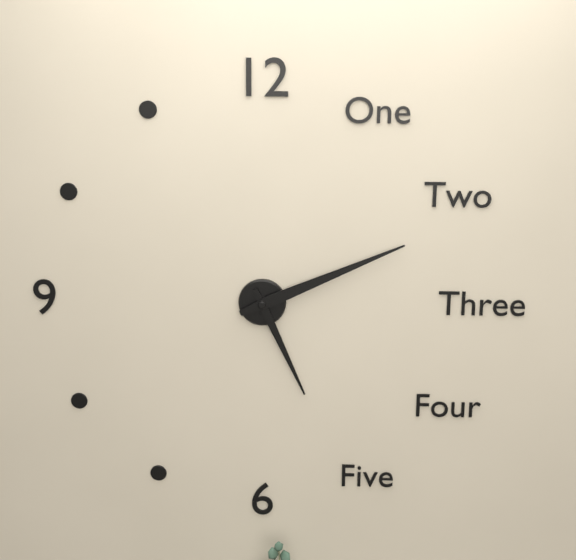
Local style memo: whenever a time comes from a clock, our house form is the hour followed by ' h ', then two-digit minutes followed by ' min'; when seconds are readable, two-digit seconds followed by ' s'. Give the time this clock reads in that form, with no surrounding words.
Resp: 5 h 11 min
